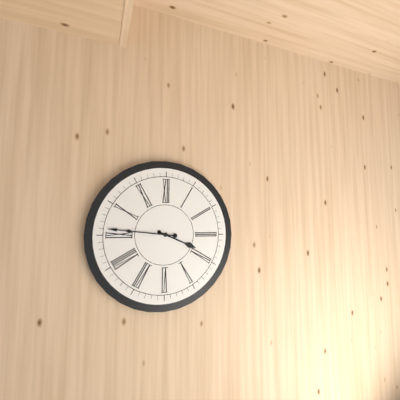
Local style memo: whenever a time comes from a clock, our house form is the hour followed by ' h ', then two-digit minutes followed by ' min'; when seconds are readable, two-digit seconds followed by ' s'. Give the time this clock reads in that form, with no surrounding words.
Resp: 3 h 46 min
